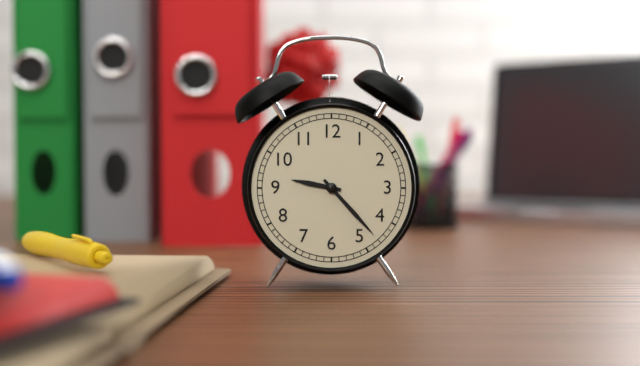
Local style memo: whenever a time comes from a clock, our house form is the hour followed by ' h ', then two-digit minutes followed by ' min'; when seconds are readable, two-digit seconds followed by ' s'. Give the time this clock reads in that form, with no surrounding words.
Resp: 9 h 23 min
